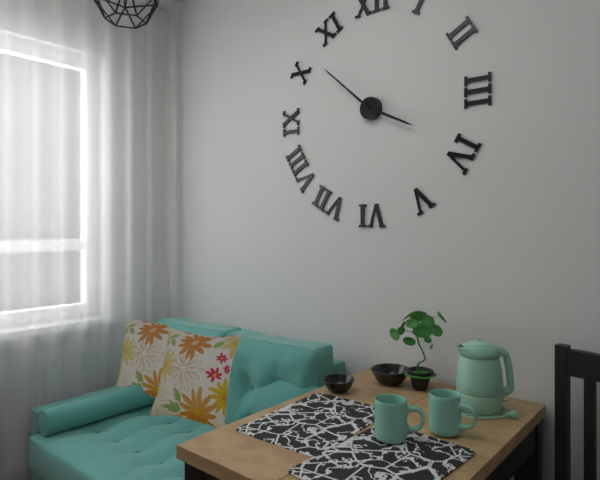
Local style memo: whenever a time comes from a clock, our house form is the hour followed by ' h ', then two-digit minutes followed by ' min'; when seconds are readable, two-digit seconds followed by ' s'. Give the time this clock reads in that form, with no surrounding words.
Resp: 3 h 52 min
